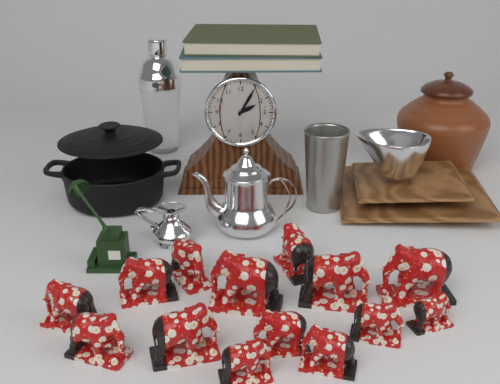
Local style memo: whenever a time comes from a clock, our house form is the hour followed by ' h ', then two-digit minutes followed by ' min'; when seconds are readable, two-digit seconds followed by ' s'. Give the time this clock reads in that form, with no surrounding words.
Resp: 2 h 05 min
